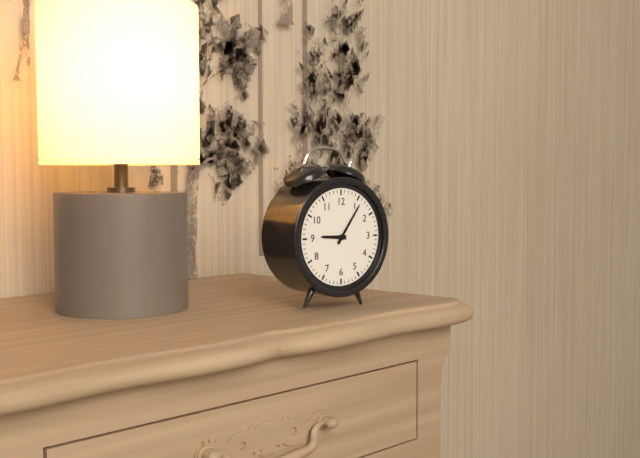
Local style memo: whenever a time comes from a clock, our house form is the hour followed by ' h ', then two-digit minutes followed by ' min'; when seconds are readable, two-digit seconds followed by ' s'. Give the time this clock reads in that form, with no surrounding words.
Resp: 9 h 06 min
